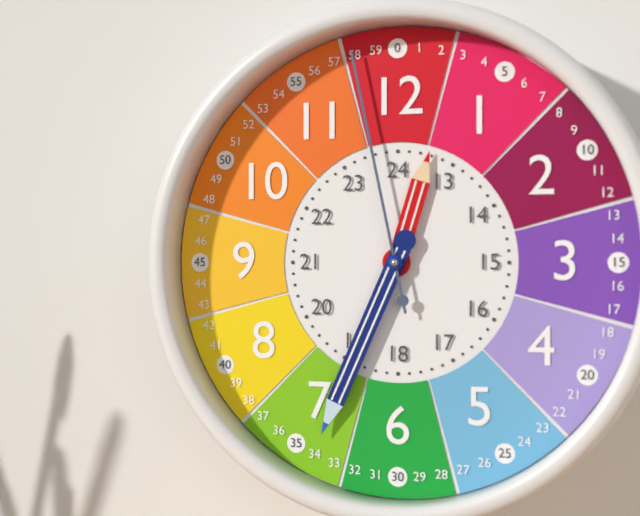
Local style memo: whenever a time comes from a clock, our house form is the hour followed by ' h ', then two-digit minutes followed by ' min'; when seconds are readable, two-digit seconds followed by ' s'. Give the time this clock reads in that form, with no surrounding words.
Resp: 12 h 34 min 58 s
